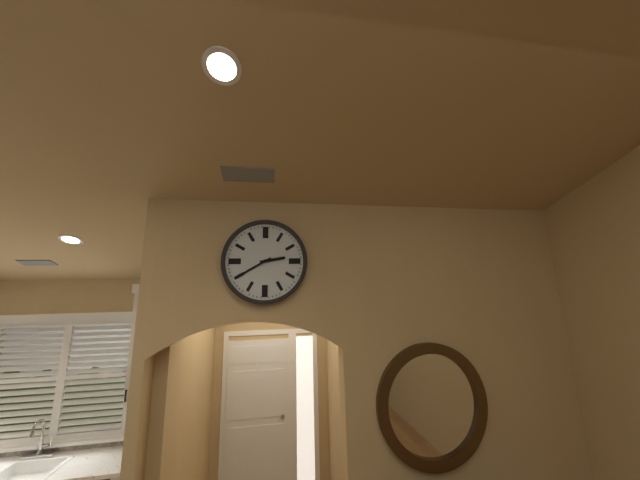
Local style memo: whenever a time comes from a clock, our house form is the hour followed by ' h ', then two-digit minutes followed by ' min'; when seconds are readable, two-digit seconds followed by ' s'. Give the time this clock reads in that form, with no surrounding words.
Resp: 2 h 40 min
